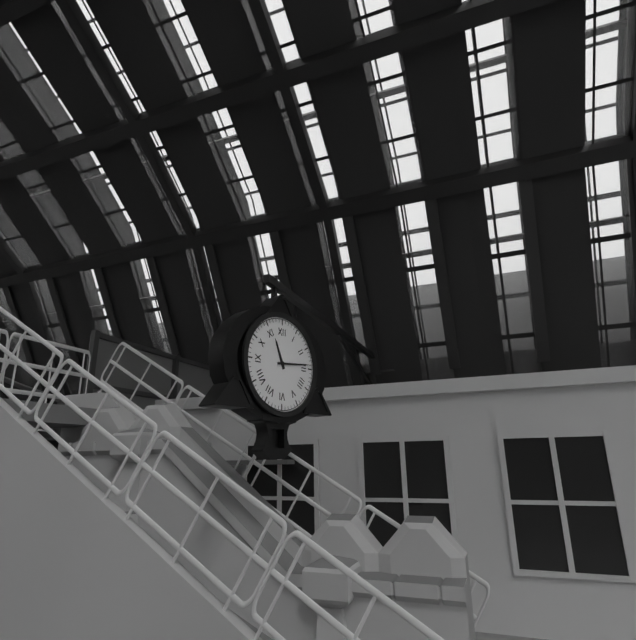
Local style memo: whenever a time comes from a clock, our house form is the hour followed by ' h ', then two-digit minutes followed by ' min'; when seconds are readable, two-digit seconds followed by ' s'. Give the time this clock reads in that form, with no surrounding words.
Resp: 11 h 14 min
